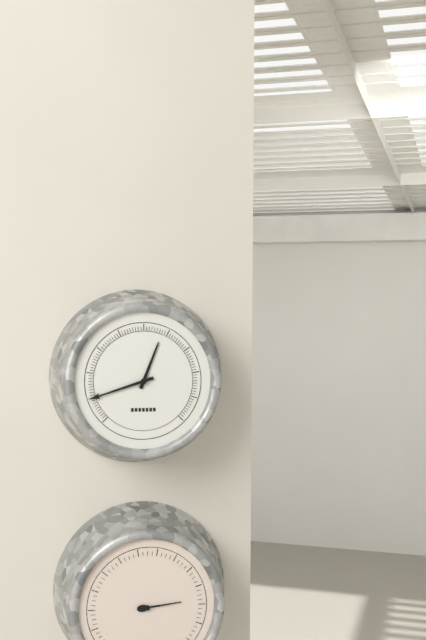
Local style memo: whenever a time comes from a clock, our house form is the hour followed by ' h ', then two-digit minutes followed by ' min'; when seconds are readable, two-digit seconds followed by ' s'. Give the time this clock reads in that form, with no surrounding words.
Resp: 12 h 42 min
